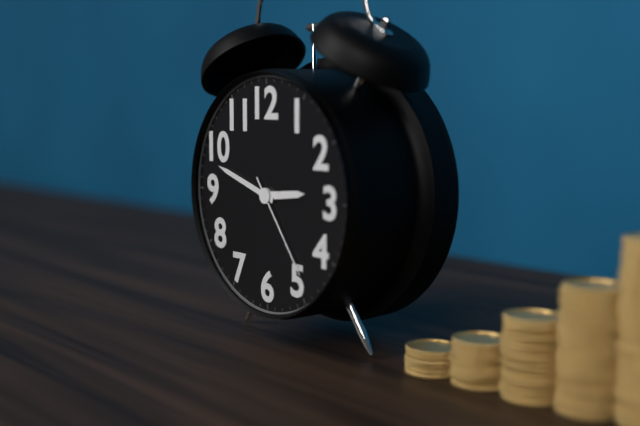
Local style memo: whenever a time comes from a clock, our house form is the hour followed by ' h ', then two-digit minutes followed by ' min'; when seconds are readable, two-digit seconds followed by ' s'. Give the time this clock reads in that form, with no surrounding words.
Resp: 2 h 48 min 24 s
